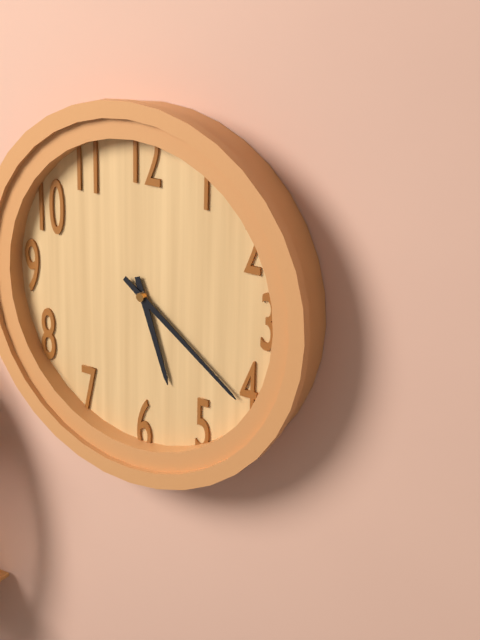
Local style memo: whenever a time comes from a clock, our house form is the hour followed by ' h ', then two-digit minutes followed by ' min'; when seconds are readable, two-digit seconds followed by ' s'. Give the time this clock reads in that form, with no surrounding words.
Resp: 5 h 21 min
